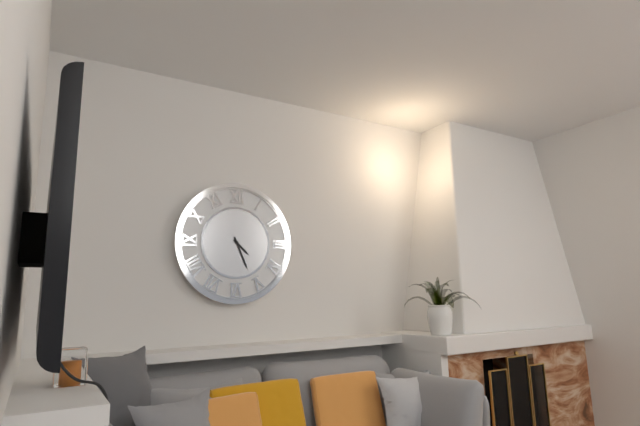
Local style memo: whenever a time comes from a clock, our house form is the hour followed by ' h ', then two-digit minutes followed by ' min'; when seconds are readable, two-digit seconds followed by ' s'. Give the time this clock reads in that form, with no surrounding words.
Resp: 4 h 26 min
